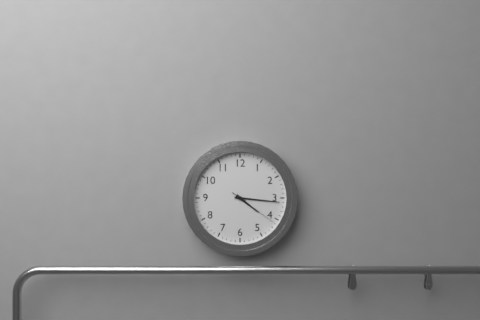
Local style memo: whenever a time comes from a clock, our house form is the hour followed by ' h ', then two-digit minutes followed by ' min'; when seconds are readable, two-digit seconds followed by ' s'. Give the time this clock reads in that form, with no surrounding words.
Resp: 4 h 16 min 21 s
